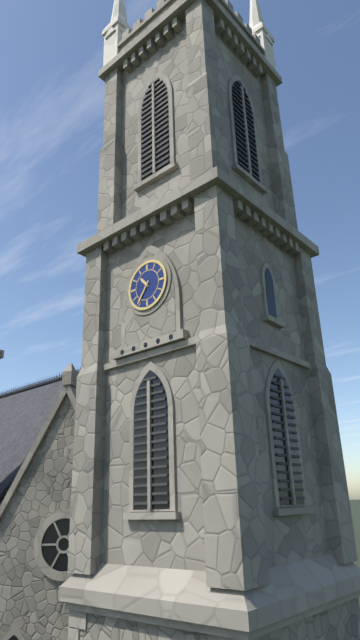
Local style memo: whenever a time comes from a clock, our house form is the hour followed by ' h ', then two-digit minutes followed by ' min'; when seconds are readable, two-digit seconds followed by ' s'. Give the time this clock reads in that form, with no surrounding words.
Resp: 10 h 36 min
